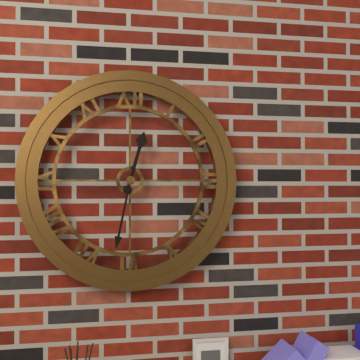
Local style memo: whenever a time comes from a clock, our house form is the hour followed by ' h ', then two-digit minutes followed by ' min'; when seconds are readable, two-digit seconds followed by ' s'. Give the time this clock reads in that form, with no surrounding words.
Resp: 12 h 32 min
